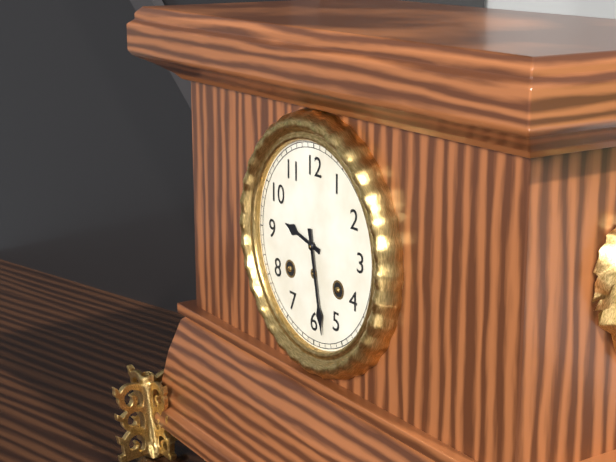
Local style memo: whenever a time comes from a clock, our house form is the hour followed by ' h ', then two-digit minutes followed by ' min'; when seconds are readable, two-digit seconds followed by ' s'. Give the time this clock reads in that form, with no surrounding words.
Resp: 9 h 28 min
